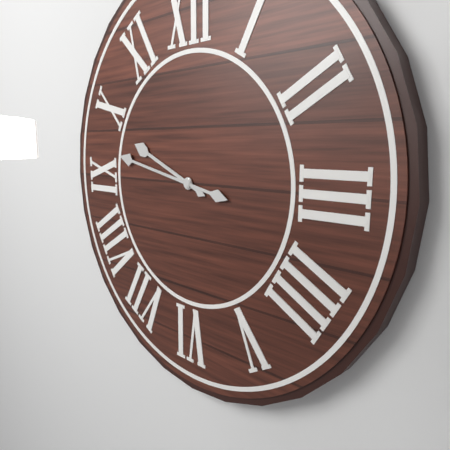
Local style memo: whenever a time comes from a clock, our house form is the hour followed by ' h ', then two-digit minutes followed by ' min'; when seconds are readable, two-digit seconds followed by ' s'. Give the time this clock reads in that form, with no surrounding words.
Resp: 9 h 47 min
